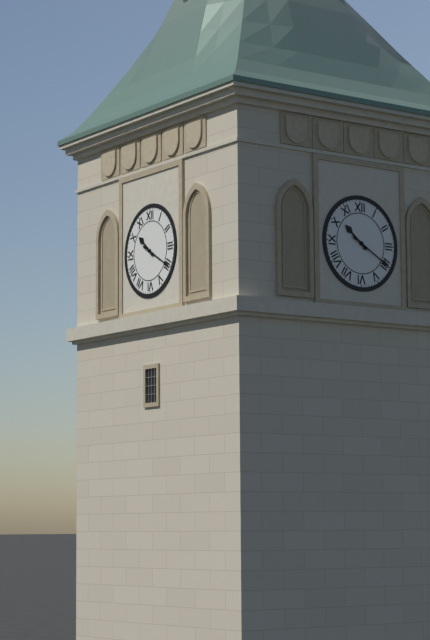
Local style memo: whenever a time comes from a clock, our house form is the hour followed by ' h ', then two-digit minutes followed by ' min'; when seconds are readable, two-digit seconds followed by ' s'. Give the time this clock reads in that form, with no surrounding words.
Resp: 10 h 20 min
